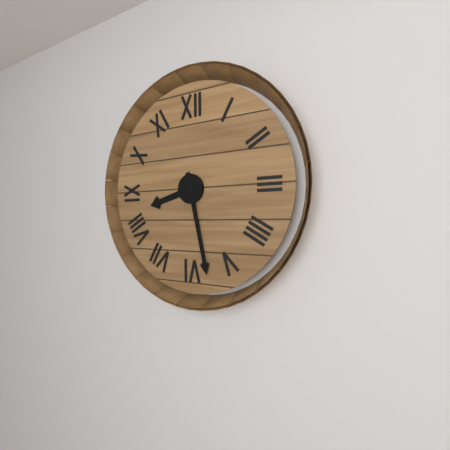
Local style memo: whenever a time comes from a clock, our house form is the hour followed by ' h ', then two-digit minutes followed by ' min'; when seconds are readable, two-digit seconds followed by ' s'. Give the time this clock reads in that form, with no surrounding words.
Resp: 8 h 28 min
